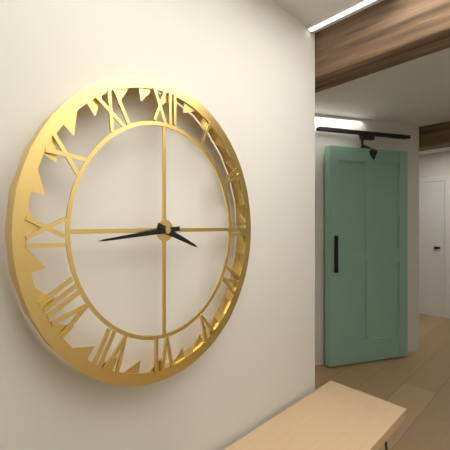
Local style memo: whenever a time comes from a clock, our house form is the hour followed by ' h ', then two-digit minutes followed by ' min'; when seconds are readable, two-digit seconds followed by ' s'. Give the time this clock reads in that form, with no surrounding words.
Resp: 3 h 44 min
